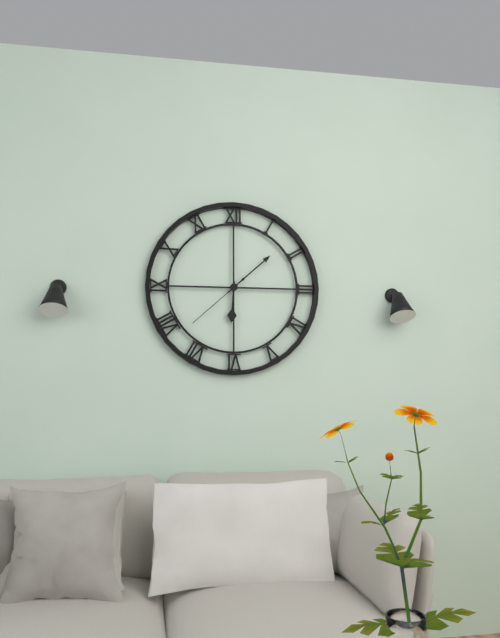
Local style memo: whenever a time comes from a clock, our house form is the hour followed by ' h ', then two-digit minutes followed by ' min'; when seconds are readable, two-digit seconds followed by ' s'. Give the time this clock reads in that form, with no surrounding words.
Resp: 6 h 08 min 38 s
